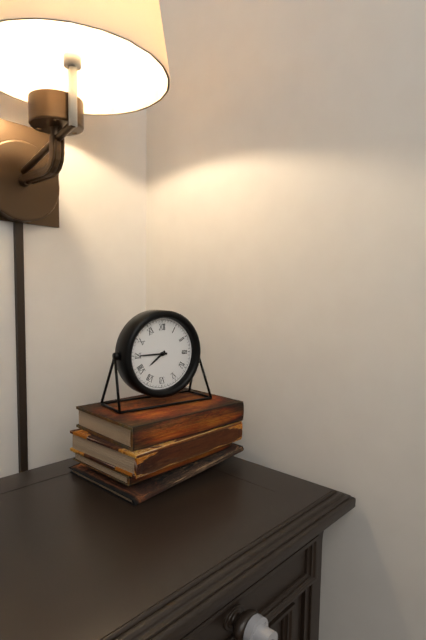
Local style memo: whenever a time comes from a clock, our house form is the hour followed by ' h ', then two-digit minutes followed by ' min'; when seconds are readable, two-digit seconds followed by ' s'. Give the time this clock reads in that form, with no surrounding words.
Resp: 7 h 45 min
